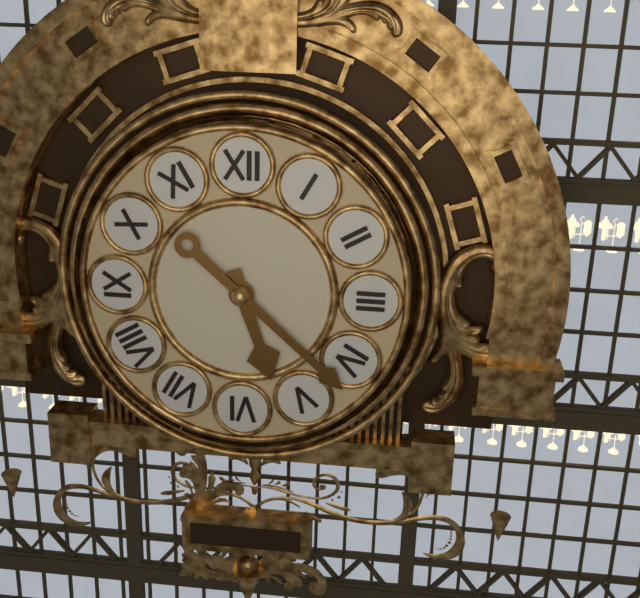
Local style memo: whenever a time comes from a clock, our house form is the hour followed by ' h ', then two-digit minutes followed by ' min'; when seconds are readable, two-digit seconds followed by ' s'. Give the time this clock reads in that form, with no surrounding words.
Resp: 5 h 22 min
